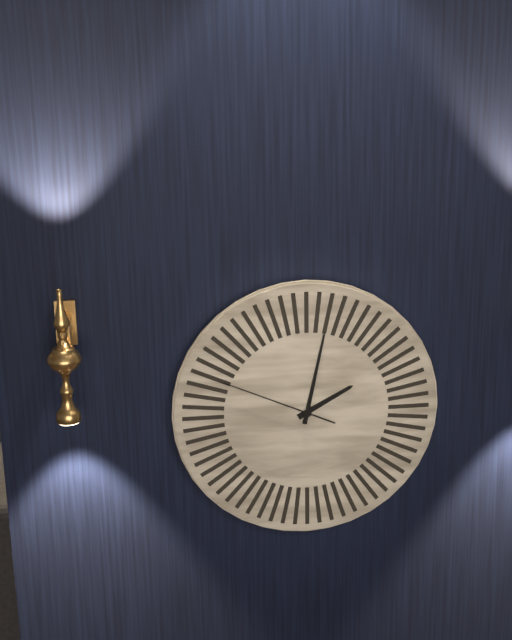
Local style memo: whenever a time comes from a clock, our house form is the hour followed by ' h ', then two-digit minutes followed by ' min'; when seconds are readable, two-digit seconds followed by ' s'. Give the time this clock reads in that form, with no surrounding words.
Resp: 2 h 02 min 49 s
